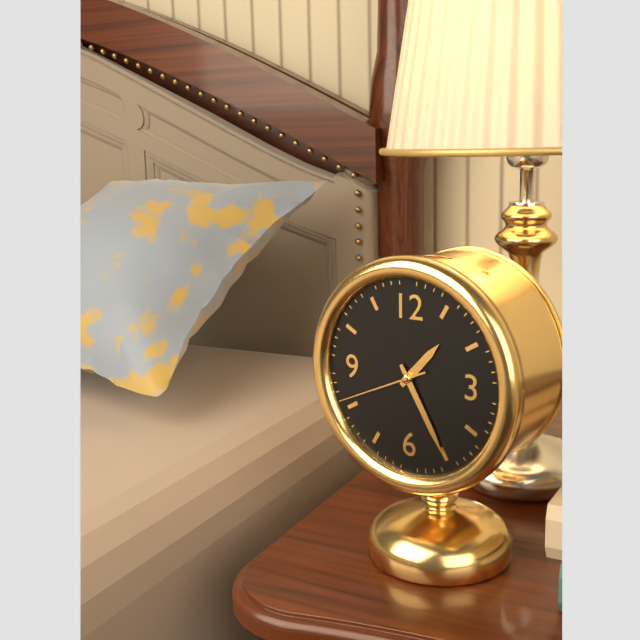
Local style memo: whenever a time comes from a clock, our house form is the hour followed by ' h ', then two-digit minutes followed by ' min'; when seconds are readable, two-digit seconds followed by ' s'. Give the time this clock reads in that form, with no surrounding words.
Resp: 1 h 25 min 41 s
